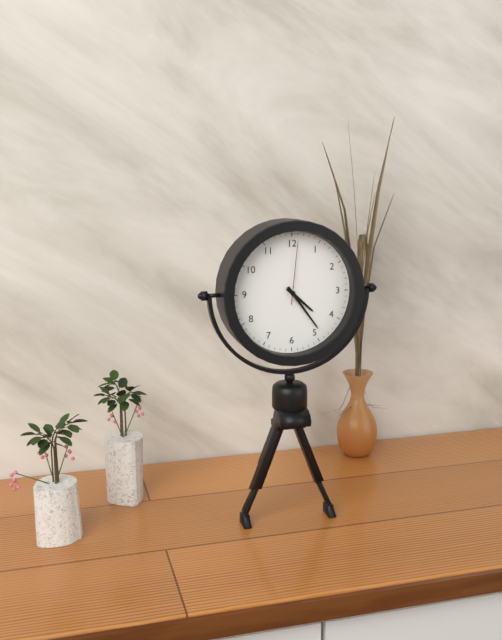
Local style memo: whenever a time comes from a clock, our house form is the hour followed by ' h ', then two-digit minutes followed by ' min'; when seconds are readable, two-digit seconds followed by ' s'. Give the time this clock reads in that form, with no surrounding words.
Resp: 4 h 24 min 01 s
